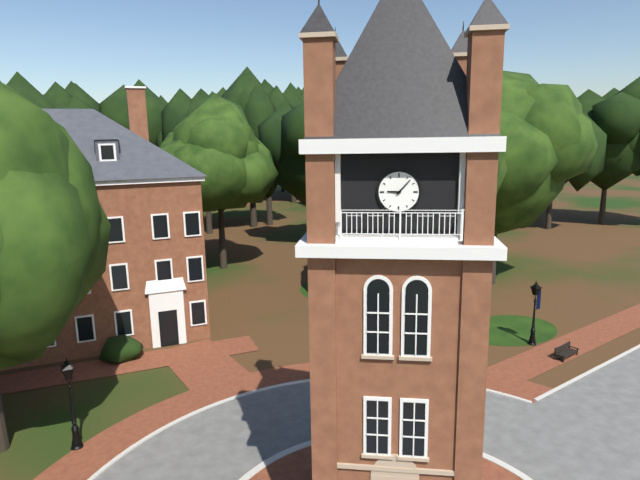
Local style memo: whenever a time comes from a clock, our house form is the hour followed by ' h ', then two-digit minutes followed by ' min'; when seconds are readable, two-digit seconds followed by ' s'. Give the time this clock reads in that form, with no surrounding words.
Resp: 9 h 07 min
